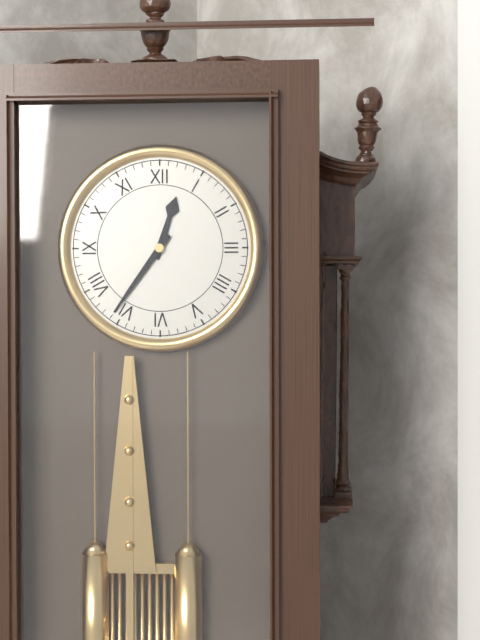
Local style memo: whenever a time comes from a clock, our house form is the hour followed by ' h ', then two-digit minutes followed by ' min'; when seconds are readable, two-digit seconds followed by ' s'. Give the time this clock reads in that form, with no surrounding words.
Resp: 12 h 36 min
